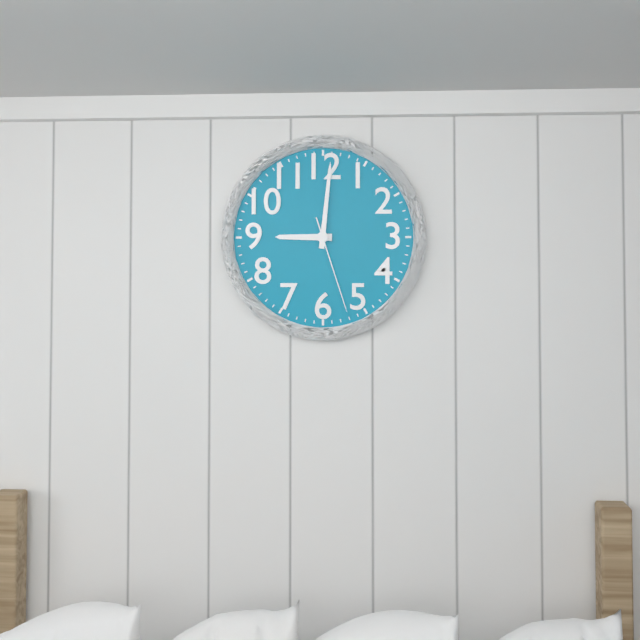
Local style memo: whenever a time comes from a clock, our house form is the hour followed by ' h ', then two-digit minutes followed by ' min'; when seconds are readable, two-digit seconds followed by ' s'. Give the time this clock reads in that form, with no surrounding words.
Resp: 9 h 01 min 27 s
